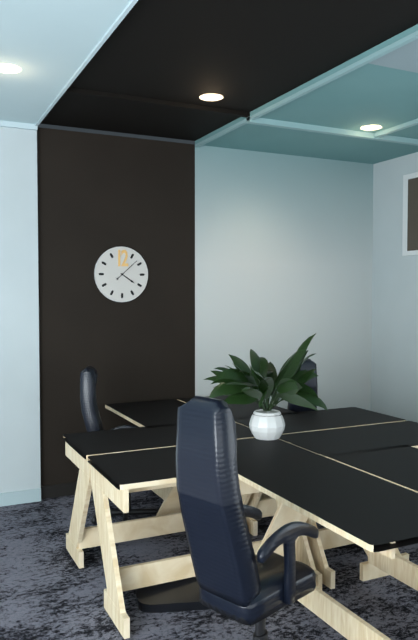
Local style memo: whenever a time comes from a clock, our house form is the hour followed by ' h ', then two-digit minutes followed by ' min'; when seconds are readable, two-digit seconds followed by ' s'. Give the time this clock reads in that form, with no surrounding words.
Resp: 4 h 08 min
